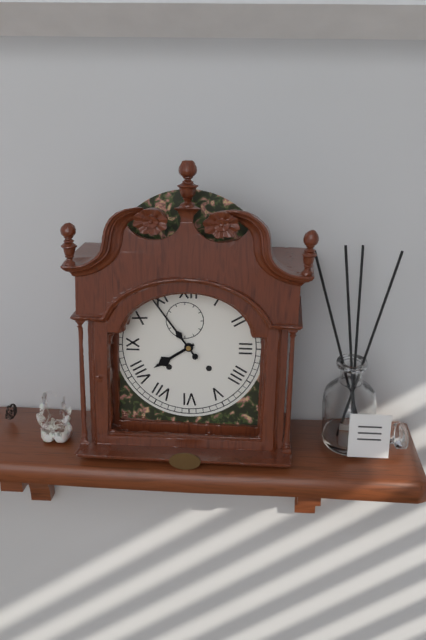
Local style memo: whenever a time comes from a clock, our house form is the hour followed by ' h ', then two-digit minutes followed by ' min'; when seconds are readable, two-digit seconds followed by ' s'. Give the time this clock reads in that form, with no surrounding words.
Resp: 7 h 54 min
